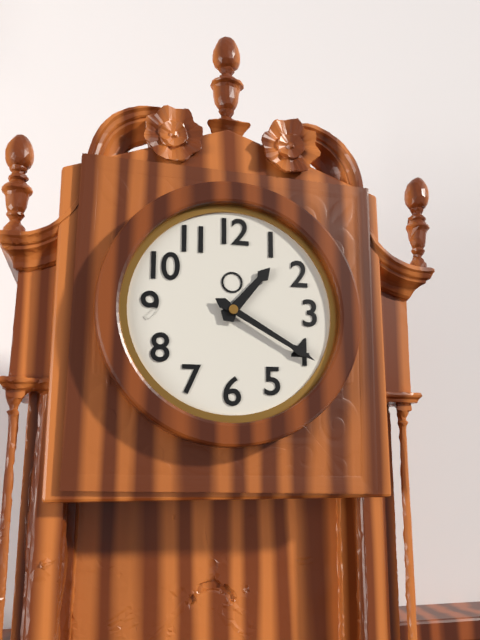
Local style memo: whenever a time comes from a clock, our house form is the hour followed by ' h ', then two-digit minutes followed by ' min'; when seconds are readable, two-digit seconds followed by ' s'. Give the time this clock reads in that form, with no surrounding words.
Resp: 1 h 20 min
